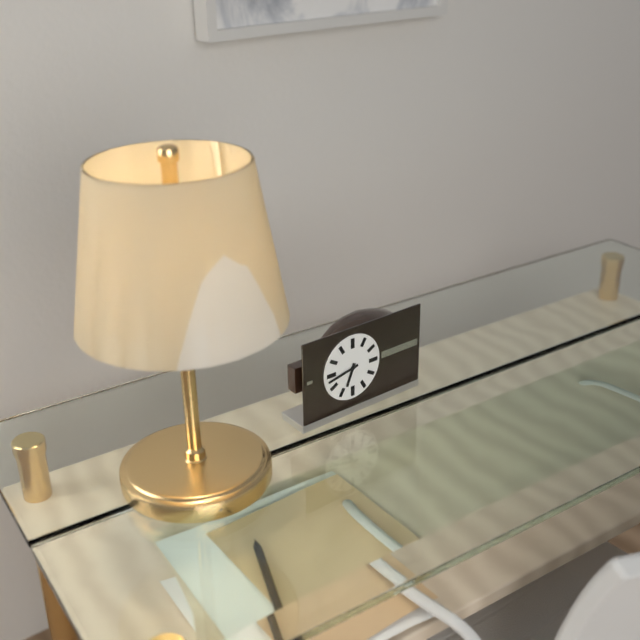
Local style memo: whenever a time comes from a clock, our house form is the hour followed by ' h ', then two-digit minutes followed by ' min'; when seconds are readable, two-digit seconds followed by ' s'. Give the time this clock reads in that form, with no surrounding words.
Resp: 6 h 43 min
